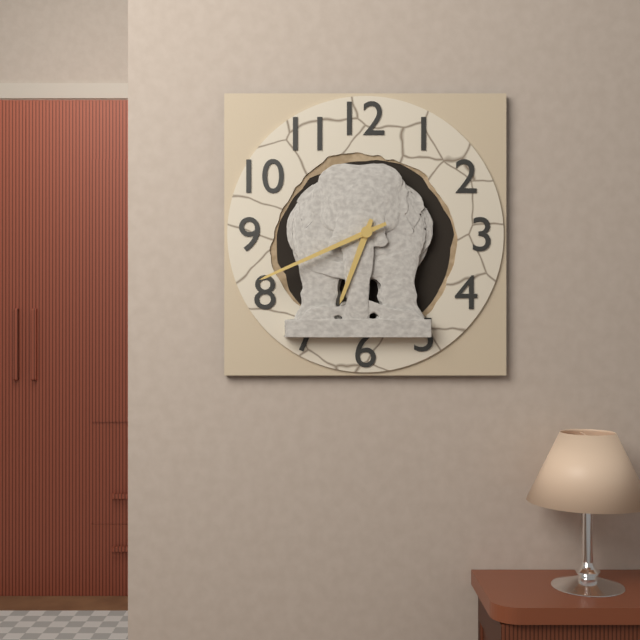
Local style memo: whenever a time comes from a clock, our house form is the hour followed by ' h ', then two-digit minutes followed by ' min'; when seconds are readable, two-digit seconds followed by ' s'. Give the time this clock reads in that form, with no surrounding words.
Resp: 6 h 41 min
